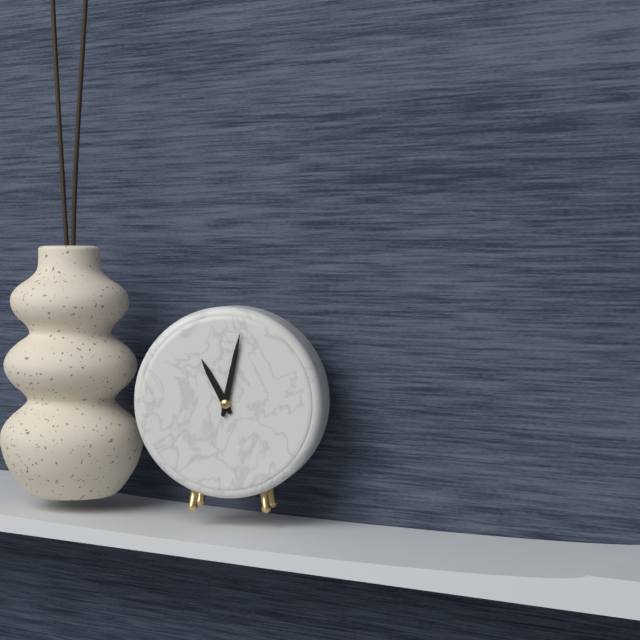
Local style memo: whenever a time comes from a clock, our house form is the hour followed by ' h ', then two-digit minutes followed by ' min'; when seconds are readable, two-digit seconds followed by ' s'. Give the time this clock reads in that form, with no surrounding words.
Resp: 11 h 02 min
